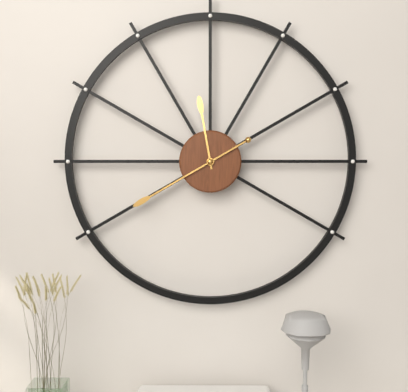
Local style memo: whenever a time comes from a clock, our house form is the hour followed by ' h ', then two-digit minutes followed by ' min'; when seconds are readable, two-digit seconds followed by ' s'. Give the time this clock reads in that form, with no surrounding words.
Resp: 11 h 40 min
